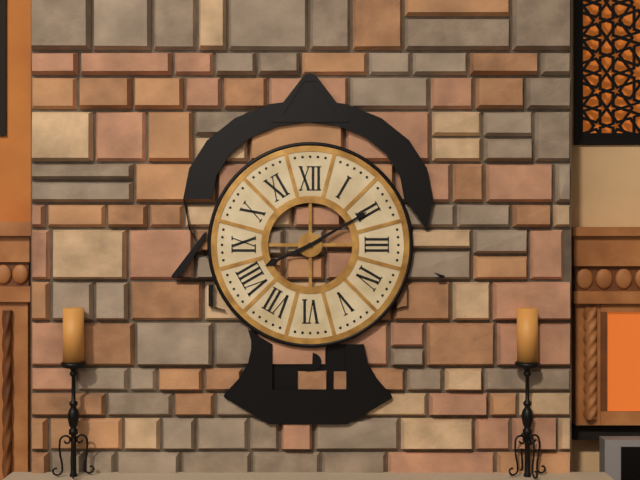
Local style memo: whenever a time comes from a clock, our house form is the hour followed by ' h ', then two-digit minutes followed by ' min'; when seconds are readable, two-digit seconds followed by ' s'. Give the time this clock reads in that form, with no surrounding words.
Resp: 8 h 10 min
